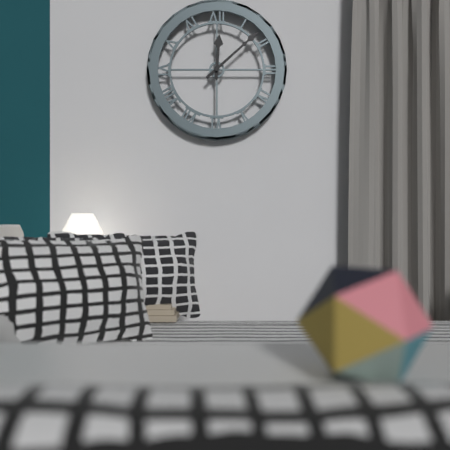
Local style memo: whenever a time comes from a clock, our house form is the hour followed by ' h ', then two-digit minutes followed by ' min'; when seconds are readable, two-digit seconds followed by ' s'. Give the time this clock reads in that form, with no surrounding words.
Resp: 12 h 08 min
